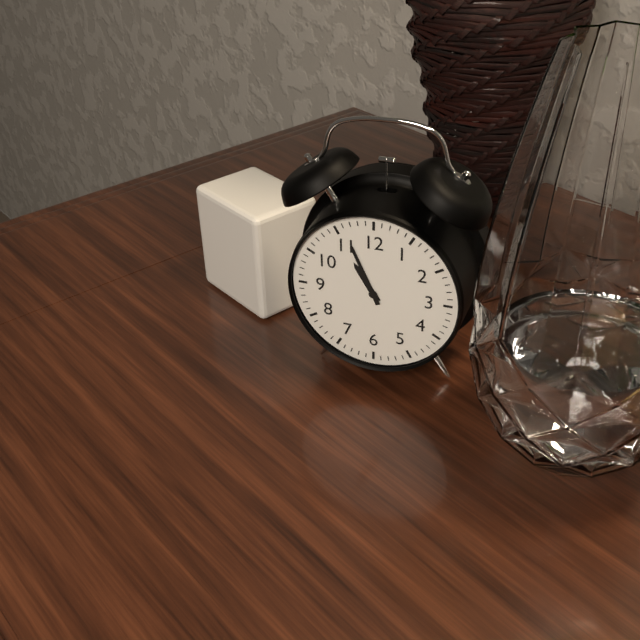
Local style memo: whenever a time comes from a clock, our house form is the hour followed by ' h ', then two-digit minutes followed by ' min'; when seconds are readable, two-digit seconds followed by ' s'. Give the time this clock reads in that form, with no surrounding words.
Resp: 10 h 56 min
